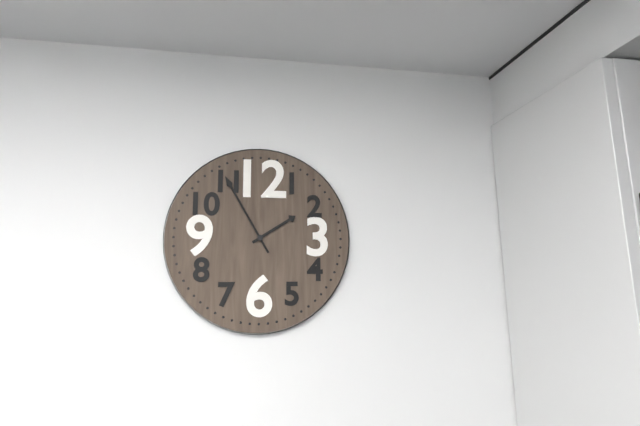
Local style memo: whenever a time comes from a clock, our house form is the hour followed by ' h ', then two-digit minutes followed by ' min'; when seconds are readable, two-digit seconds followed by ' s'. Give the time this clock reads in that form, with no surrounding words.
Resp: 1 h 55 min
